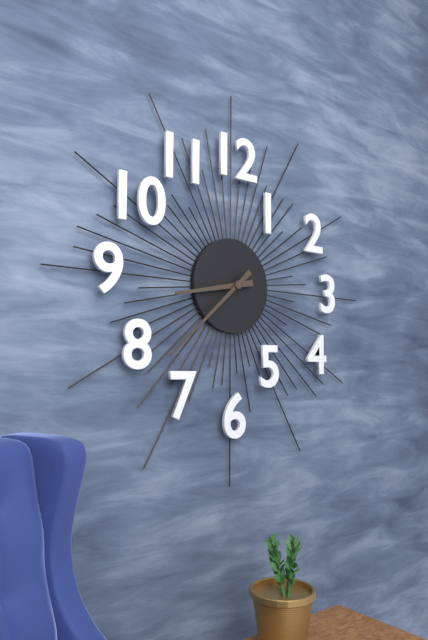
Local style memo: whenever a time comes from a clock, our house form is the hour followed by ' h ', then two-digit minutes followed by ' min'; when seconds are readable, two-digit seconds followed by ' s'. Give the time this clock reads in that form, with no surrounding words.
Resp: 8 h 38 min
